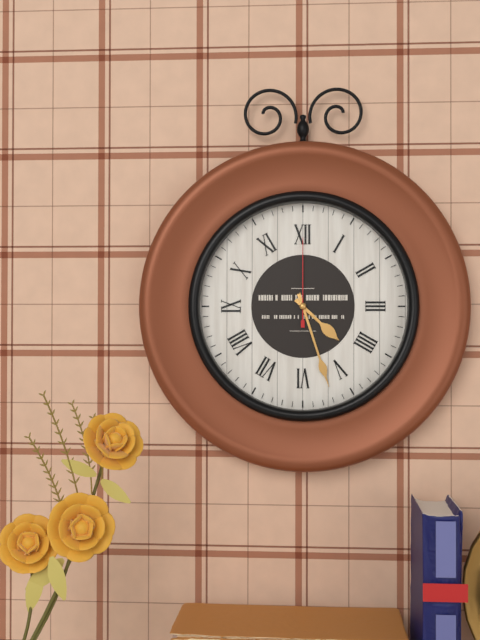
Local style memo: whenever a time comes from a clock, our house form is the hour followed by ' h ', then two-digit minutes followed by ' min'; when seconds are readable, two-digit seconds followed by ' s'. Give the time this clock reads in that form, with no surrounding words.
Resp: 4 h 27 min 00 s
